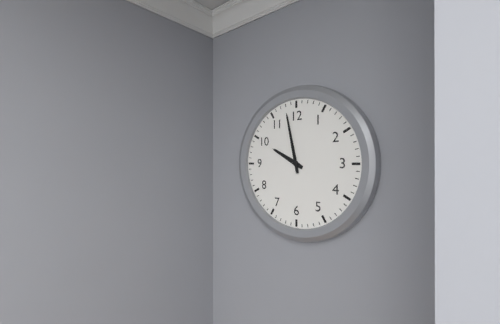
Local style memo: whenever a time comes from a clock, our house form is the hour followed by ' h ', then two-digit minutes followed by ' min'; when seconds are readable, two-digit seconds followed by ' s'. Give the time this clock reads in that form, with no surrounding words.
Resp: 9 h 58 min
